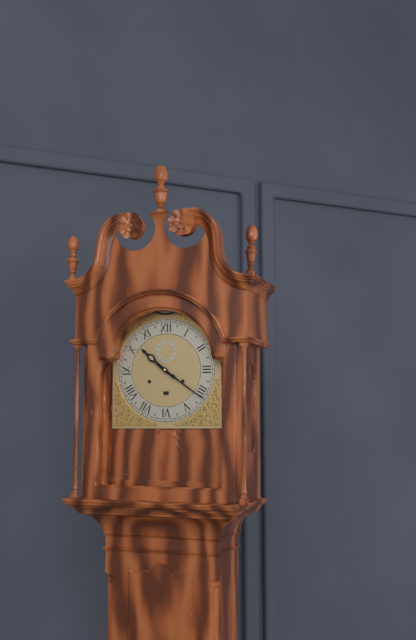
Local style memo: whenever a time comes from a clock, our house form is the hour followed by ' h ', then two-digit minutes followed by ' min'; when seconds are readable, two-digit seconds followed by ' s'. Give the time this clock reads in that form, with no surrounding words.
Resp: 10 h 21 min
